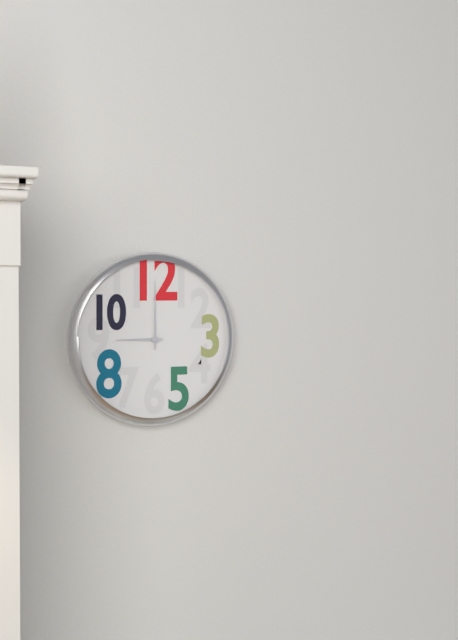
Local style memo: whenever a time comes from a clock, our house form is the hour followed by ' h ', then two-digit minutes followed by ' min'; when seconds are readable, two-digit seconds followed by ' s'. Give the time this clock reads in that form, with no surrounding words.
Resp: 9 h 00 min
